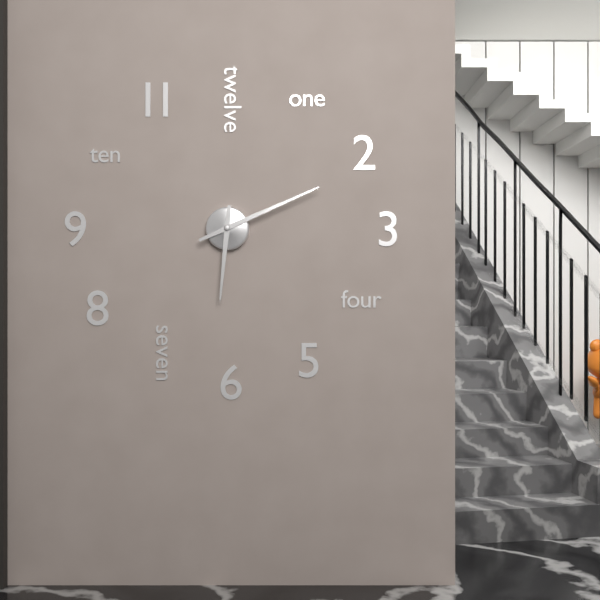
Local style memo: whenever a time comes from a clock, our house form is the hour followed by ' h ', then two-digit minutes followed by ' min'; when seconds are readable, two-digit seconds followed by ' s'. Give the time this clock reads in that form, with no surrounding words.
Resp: 6 h 11 min
